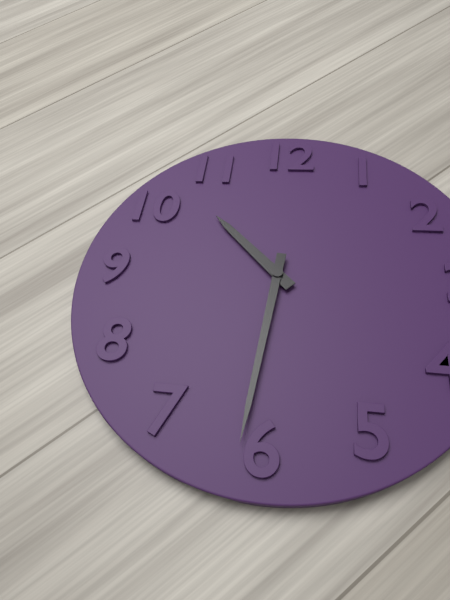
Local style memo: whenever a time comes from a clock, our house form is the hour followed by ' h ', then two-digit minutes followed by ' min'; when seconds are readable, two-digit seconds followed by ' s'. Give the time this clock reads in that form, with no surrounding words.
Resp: 10 h 31 min
